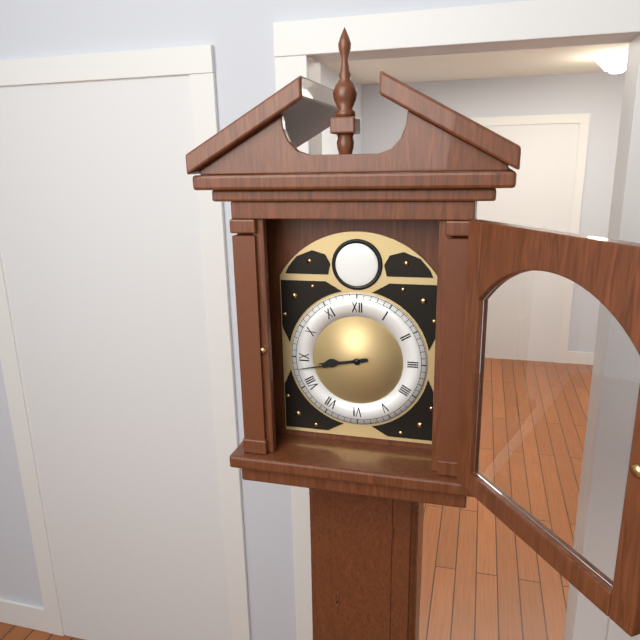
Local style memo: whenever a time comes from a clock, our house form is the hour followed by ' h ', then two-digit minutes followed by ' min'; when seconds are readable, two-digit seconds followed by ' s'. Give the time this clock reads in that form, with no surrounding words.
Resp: 8 h 43 min
